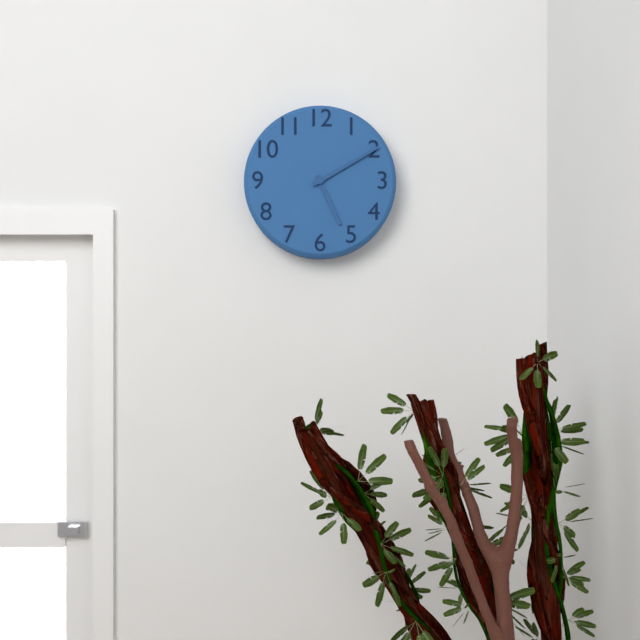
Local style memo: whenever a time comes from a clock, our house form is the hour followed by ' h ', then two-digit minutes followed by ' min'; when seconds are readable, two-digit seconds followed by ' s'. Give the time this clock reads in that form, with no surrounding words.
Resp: 5 h 10 min
